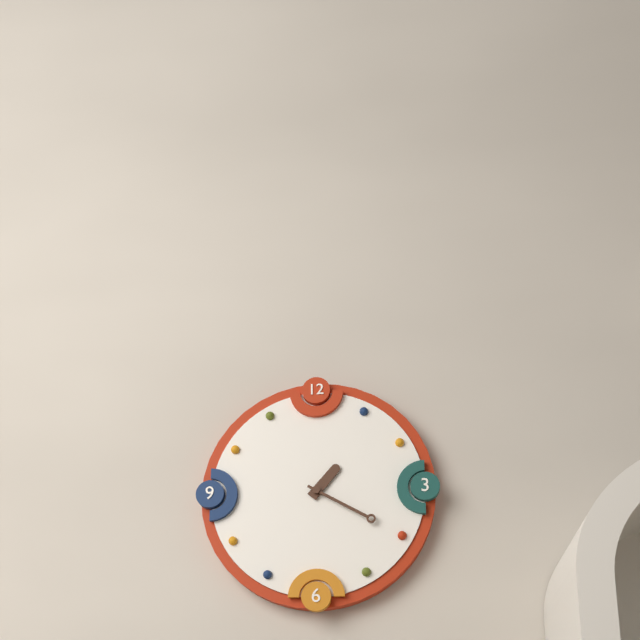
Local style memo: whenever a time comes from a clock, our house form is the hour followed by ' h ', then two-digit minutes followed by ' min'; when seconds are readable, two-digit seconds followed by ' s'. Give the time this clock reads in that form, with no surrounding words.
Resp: 1 h 20 min
